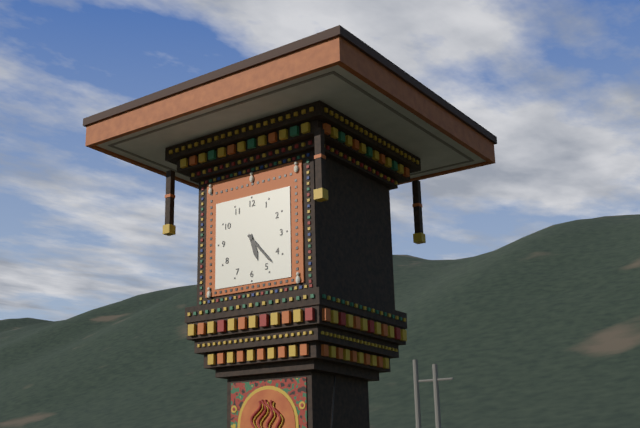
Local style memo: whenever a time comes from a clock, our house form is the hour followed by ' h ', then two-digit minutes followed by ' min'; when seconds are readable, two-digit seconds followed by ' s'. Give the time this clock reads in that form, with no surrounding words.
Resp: 5 h 23 min
